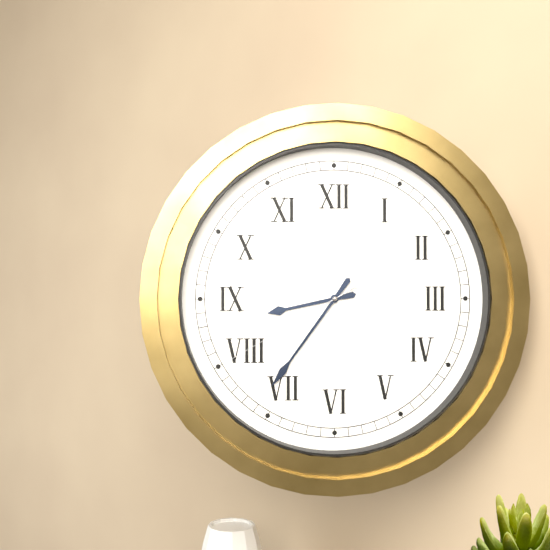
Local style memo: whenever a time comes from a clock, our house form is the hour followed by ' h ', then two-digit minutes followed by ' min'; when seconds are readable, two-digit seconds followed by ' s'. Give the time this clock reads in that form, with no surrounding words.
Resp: 8 h 36 min 40 s
